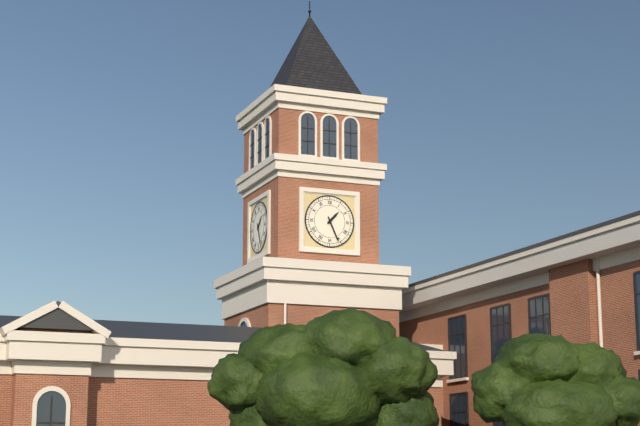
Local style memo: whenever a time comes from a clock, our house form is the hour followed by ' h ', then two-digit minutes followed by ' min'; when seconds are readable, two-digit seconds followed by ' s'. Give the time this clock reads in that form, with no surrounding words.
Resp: 1 h 26 min
